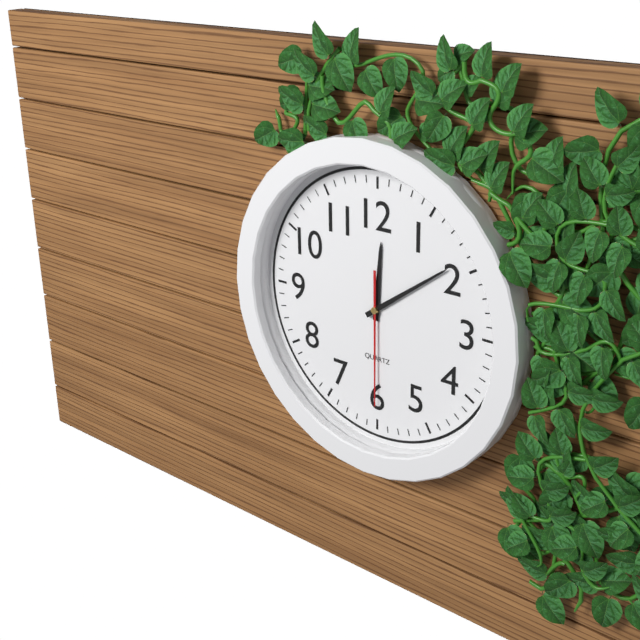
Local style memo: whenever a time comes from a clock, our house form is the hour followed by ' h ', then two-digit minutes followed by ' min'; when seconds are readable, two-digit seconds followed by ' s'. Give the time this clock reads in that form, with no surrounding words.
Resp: 12 h 09 min 30 s
